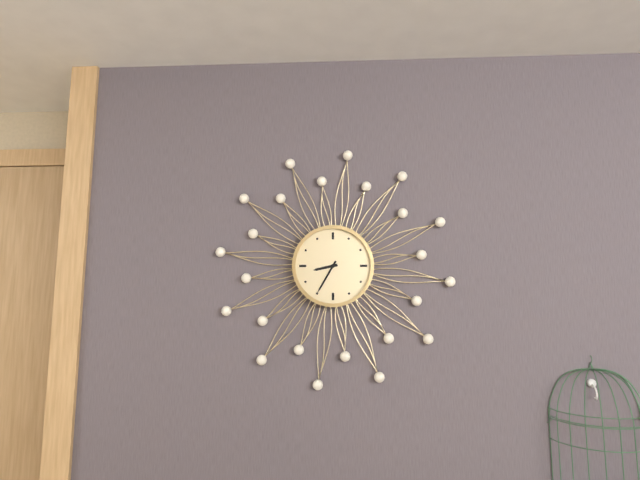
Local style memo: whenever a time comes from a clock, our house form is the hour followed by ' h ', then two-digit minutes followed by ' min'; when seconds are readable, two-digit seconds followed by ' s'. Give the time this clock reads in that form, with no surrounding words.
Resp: 8 h 35 min
